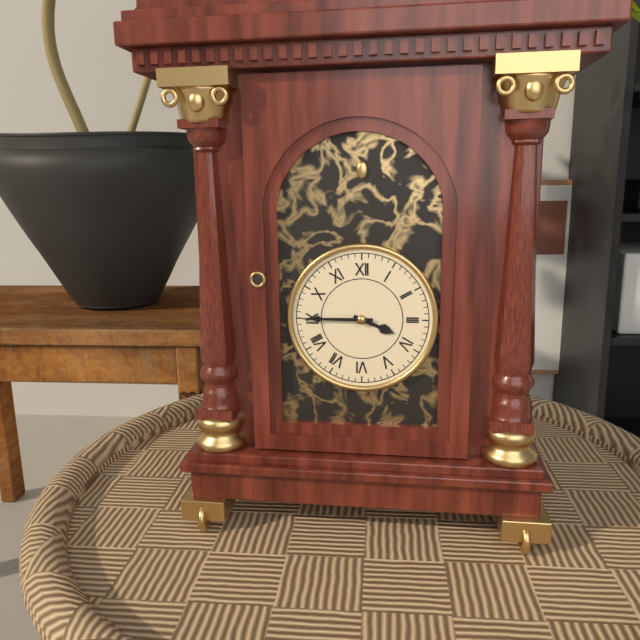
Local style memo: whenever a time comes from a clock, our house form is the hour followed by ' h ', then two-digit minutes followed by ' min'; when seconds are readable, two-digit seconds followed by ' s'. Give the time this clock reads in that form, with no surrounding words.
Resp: 3 h 45 min
